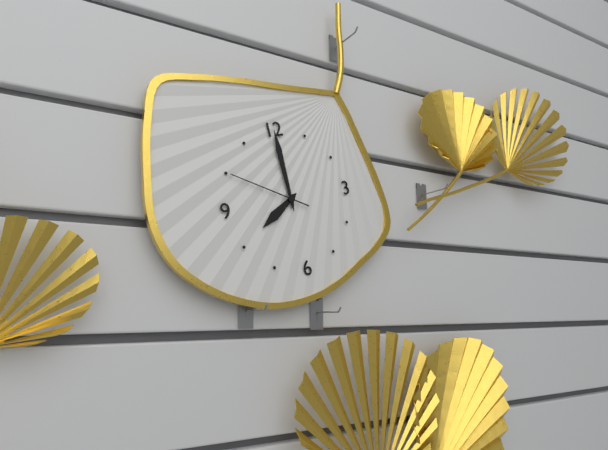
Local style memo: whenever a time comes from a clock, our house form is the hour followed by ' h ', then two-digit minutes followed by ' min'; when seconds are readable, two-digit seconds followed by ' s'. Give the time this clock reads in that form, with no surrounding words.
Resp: 8 h 00 min 50 s
